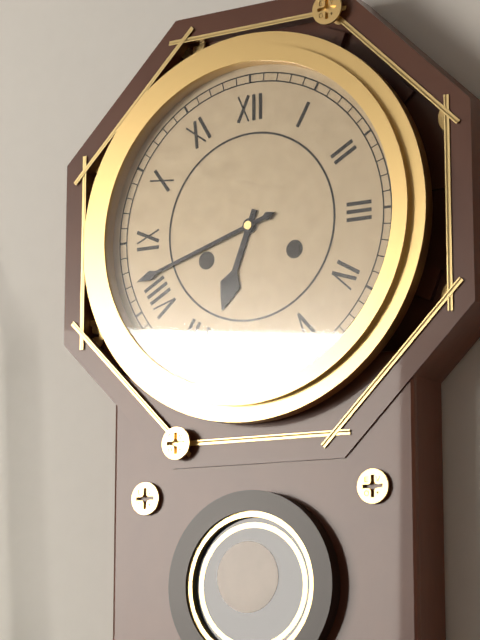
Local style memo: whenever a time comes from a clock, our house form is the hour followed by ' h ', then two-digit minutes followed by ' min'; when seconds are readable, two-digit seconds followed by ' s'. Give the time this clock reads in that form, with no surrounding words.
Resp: 6 h 42 min
